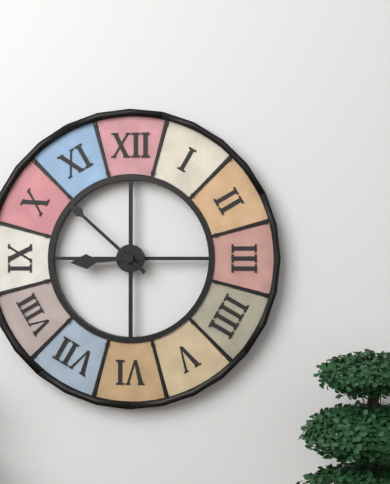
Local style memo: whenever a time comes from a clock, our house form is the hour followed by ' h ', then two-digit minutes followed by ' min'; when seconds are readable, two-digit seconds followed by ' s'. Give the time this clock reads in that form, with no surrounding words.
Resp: 8 h 52 min
